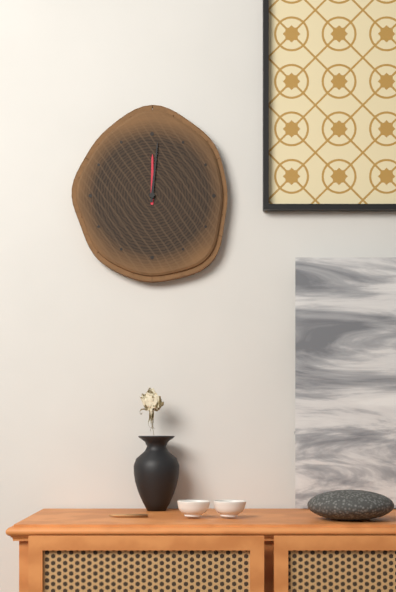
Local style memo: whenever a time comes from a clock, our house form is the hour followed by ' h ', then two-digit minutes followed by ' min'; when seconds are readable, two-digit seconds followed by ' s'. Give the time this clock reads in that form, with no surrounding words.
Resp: 12 h 01 min
